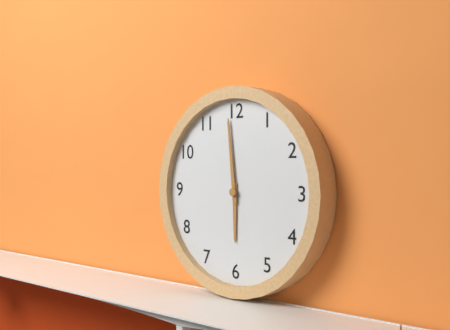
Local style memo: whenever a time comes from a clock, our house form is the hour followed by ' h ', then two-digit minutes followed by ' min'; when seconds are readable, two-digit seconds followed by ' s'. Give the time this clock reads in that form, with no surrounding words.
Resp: 5 h 59 min
